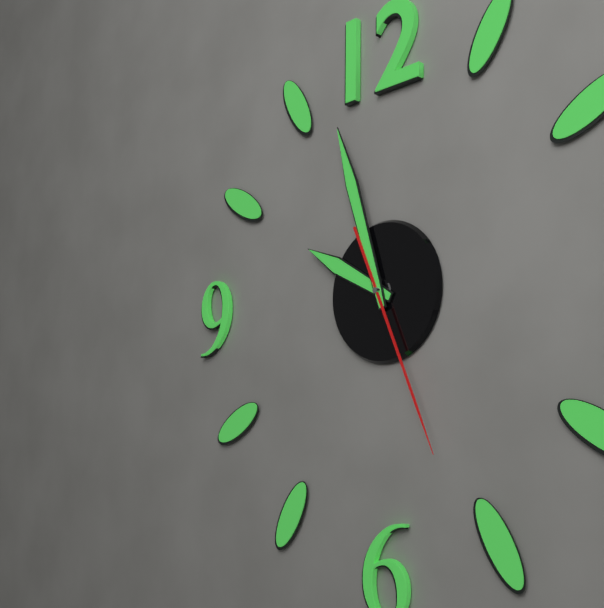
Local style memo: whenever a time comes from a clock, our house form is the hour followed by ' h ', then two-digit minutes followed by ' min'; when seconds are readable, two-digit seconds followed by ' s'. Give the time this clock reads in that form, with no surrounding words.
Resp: 9 h 57 min 26 s
